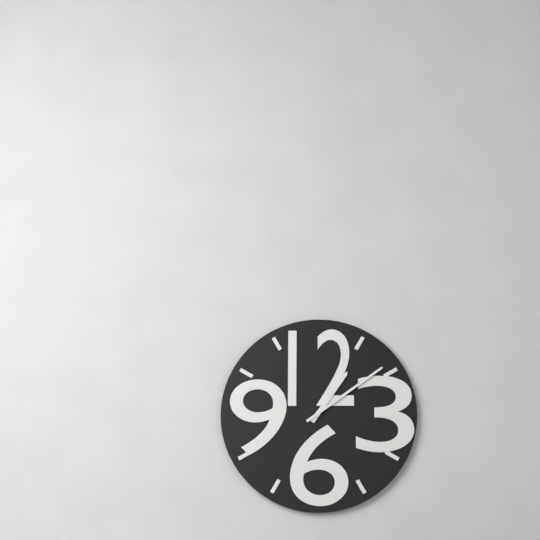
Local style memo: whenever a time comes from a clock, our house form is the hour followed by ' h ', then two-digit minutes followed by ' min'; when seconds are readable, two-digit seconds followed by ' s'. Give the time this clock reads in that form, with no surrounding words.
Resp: 1 h 09 min
